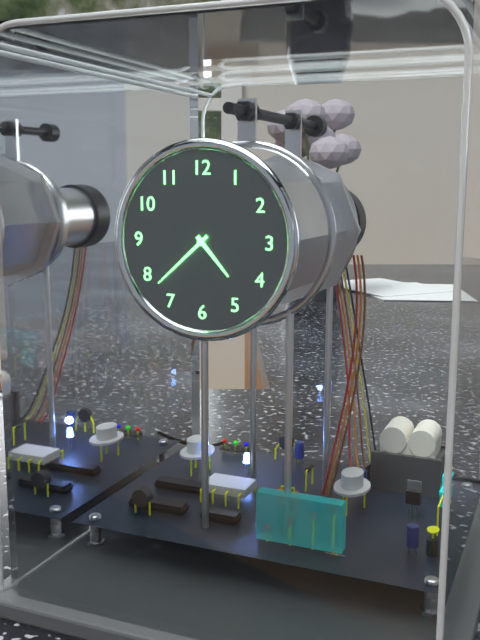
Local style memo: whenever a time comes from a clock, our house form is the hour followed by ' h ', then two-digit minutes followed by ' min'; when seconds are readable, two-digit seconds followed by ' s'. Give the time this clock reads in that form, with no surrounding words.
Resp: 4 h 38 min
